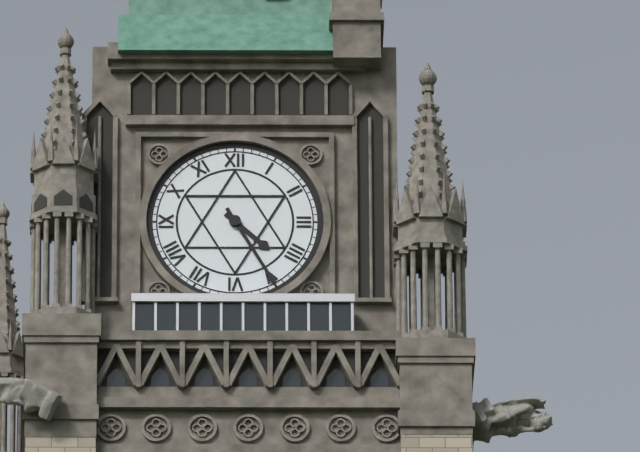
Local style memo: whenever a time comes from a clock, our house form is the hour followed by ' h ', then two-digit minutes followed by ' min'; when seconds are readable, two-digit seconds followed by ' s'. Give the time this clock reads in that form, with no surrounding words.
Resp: 4 h 25 min
